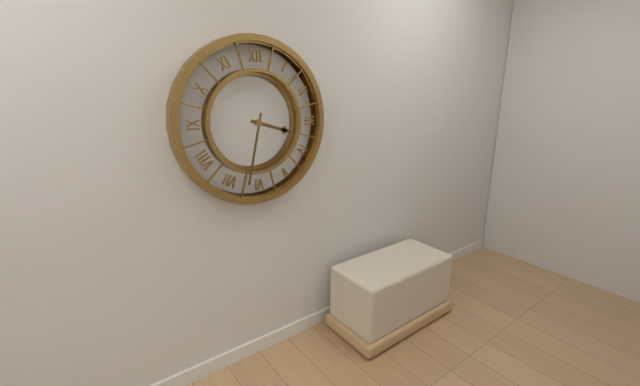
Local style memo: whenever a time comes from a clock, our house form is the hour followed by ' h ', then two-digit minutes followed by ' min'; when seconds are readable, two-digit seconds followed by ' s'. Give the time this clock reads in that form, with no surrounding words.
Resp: 3 h 32 min
